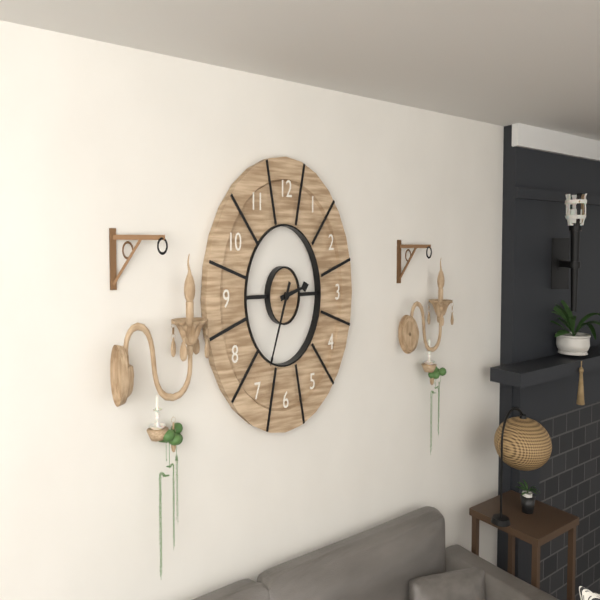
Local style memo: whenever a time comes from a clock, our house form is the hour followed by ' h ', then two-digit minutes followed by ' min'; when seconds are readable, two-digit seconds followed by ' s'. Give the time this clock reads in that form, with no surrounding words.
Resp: 2 h 34 min
